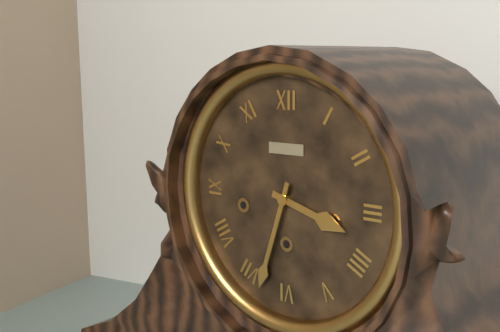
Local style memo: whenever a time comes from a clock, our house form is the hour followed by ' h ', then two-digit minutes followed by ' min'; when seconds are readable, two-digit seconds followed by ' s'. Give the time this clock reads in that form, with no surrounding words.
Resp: 3 h 33 min
